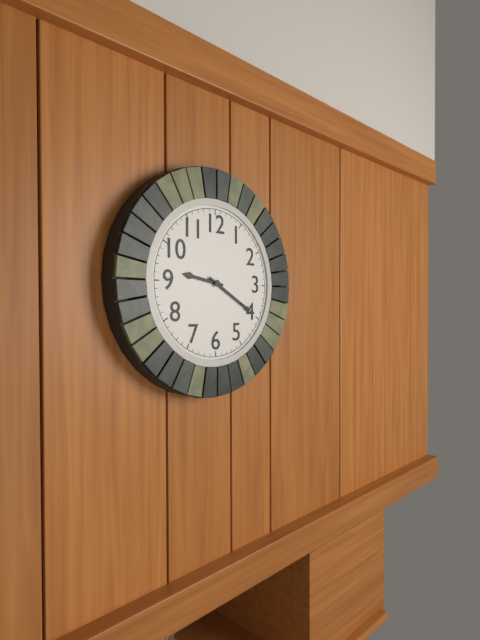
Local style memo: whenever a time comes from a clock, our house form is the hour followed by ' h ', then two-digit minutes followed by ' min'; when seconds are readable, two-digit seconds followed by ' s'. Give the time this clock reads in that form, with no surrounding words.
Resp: 9 h 20 min
